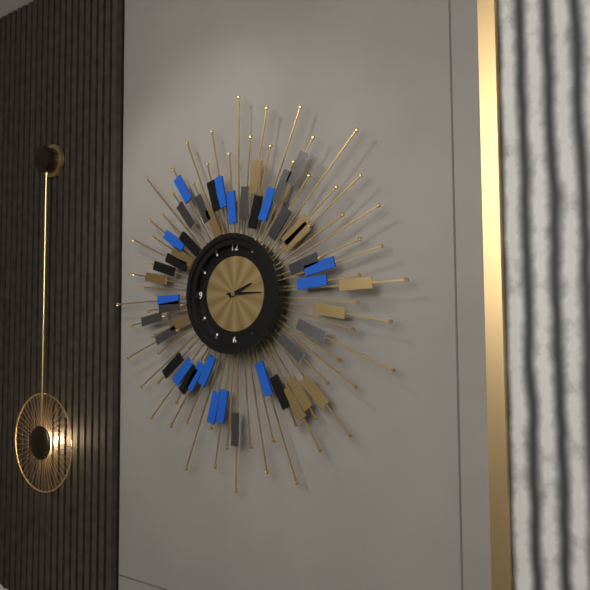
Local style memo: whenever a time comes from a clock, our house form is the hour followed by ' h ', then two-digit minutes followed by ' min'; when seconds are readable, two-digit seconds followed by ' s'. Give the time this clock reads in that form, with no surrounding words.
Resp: 2 h 15 min
